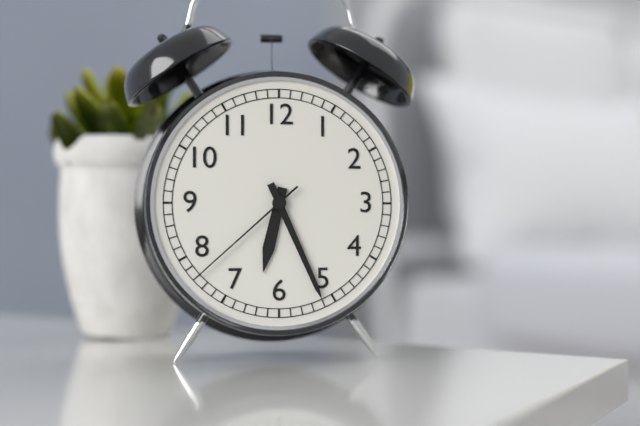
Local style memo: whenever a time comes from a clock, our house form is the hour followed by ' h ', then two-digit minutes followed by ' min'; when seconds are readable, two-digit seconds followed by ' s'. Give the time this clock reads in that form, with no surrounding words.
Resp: 6 h 26 min 38 s
